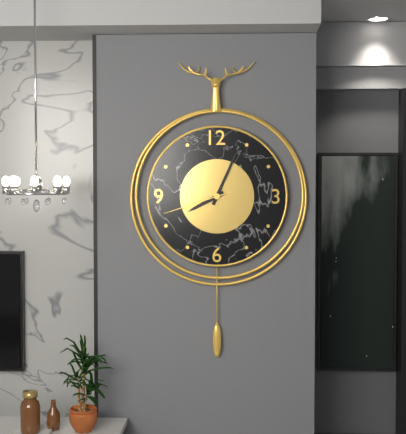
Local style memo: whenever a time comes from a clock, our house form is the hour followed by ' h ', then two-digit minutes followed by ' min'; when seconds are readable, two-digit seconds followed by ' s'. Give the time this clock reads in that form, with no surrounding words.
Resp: 8 h 04 min 42 s
